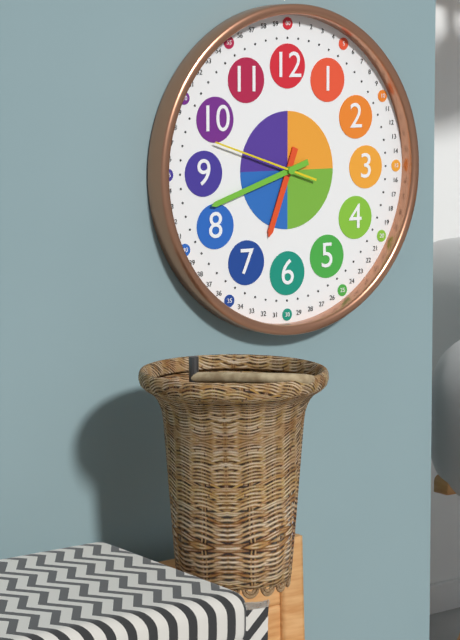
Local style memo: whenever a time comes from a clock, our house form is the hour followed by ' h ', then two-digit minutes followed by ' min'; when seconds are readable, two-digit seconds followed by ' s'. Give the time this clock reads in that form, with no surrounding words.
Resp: 6 h 42 min 48 s
